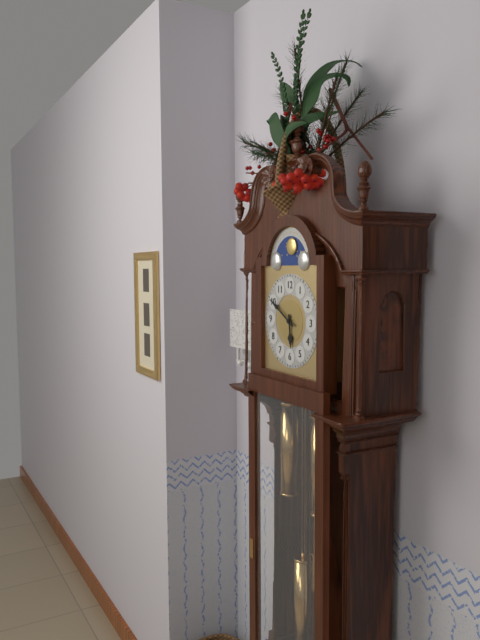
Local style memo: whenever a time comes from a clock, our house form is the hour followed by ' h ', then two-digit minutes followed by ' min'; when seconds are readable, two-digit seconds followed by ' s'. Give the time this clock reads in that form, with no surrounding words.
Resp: 5 h 50 min
